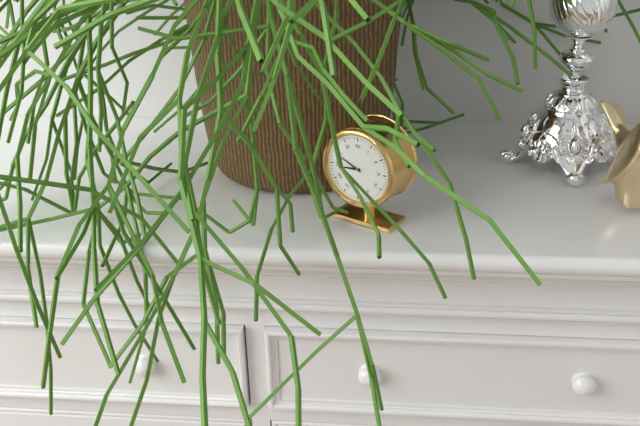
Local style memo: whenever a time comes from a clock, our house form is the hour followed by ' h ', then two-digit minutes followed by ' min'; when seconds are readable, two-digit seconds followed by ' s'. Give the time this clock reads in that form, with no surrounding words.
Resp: 8 h 49 min
